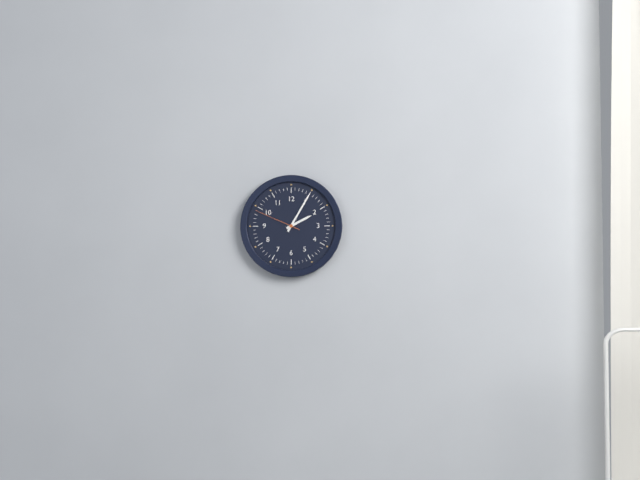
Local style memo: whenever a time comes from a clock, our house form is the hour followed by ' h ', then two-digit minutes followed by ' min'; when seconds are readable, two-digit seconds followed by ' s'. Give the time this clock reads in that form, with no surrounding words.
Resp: 2 h 05 min
